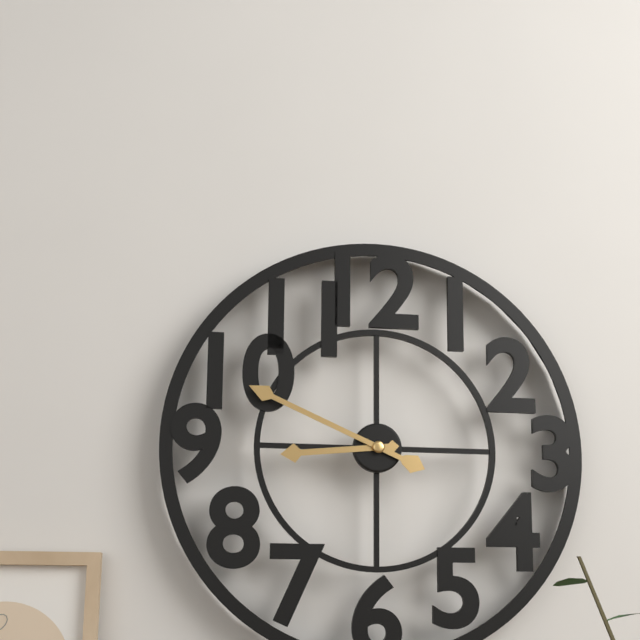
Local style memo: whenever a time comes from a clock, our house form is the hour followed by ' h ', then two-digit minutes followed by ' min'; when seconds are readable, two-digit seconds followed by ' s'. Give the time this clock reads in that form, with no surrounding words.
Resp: 8 h 49 min
